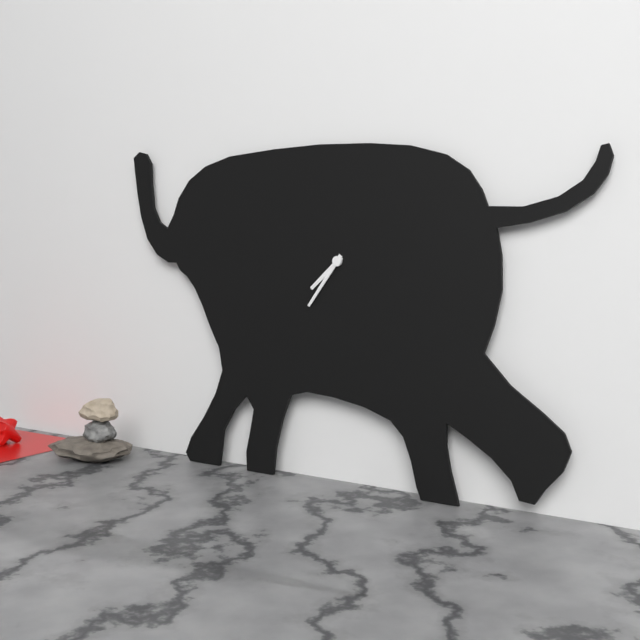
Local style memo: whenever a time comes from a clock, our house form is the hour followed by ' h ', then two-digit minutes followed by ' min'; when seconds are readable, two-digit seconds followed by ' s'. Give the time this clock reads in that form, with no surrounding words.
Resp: 7 h 36 min
